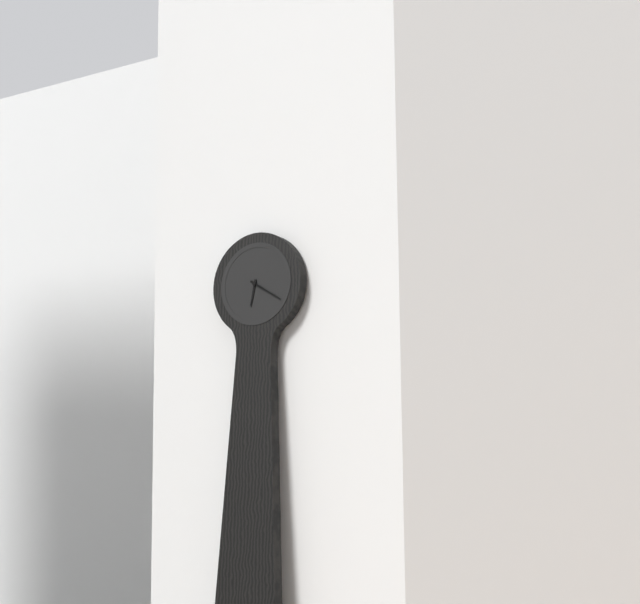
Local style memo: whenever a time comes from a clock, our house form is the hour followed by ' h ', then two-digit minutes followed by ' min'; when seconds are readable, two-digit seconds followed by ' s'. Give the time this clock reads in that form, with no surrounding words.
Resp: 6 h 20 min
